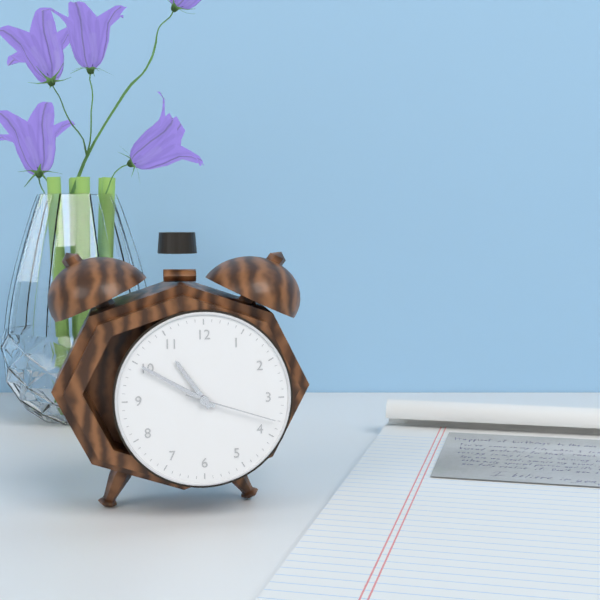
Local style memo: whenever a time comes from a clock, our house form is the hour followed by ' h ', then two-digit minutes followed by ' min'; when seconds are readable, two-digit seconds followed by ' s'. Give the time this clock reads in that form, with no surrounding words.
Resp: 10 h 50 min 18 s
